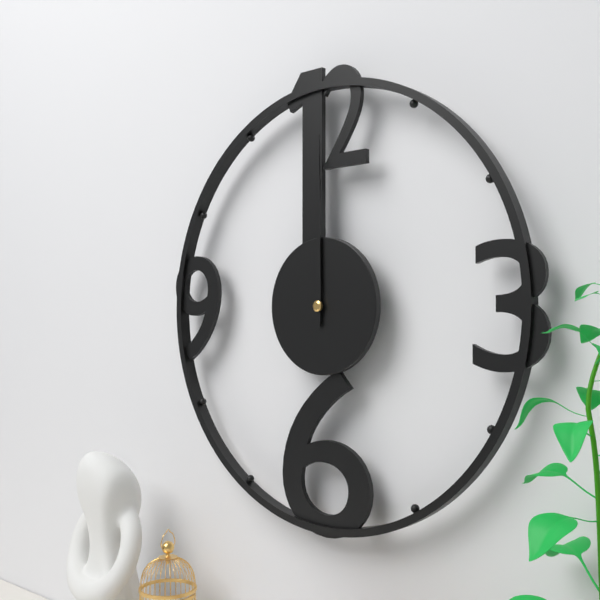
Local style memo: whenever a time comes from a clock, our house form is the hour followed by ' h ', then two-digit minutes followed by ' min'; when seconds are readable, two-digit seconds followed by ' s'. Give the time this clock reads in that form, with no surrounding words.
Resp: 12 h 00 min
